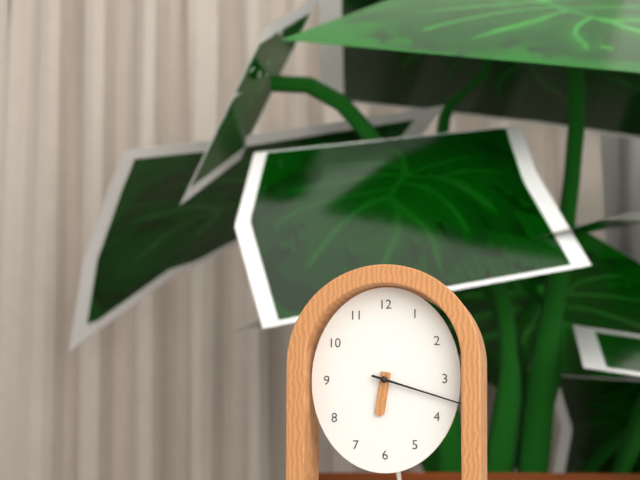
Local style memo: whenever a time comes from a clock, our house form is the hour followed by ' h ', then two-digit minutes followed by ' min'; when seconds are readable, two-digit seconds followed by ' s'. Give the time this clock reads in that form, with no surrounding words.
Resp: 6 h 18 min
